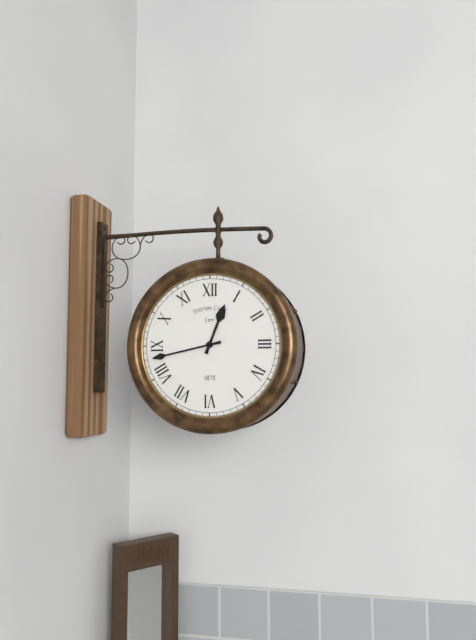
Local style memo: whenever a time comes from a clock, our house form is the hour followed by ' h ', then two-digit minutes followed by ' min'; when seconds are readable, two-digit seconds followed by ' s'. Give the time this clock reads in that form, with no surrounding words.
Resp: 12 h 43 min
